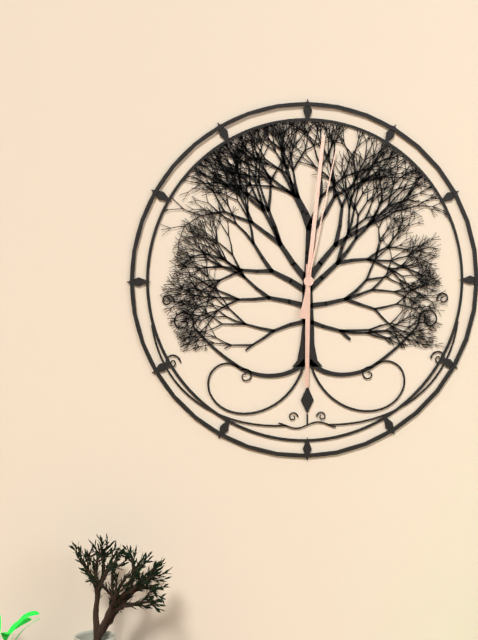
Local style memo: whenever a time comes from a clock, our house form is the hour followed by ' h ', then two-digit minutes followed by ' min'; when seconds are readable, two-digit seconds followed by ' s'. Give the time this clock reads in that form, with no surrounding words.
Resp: 6 h 01 min 02 s
